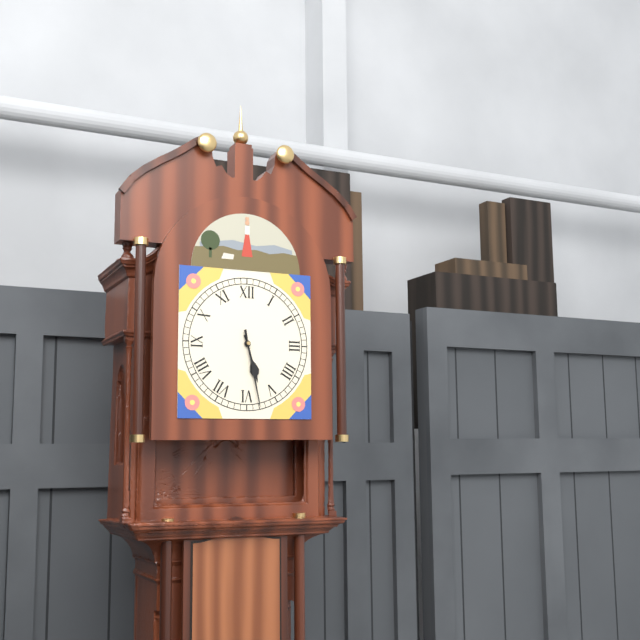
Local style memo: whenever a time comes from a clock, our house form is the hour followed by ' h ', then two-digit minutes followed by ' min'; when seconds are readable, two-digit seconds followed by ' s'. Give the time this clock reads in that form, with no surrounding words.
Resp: 5 h 28 min
